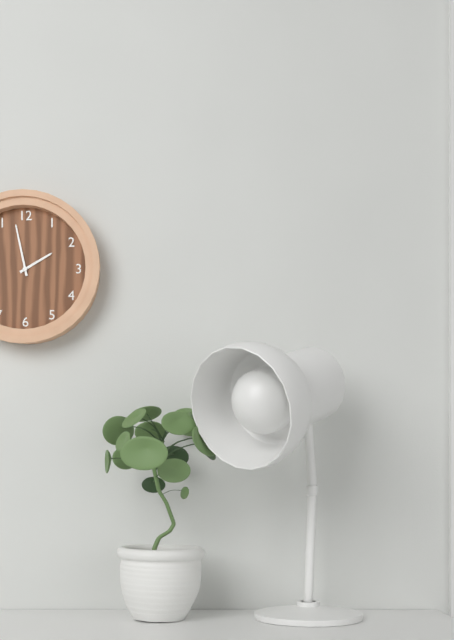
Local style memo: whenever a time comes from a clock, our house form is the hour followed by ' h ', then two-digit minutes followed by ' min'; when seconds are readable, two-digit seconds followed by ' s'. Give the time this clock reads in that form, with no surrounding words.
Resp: 1 h 58 min
